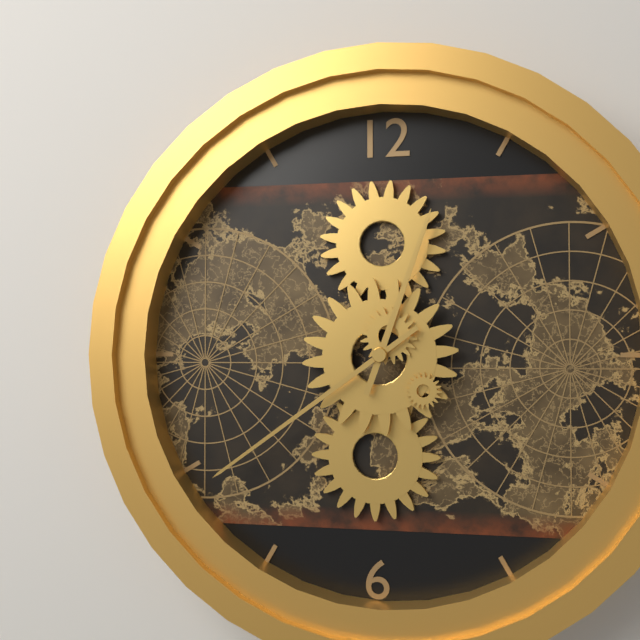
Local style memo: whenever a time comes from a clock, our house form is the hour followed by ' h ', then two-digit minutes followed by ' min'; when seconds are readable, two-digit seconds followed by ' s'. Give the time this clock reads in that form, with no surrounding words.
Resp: 12 h 39 min
